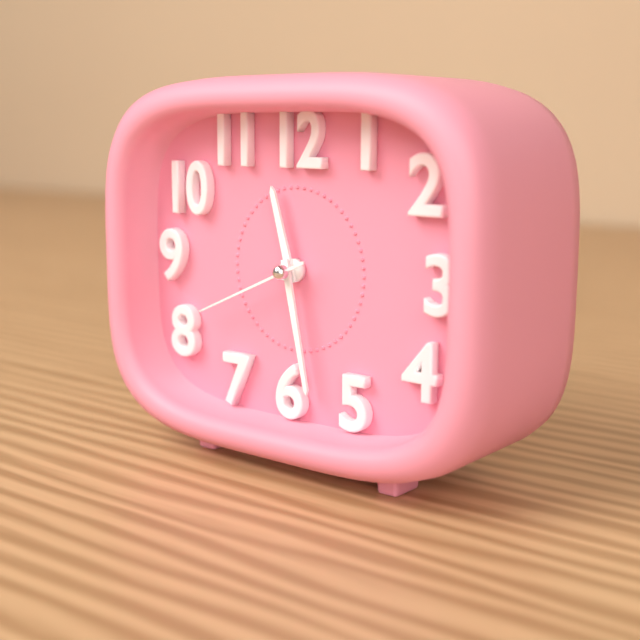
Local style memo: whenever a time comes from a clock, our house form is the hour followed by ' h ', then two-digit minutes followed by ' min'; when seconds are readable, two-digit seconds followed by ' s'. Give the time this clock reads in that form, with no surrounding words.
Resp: 11 h 28 min 41 s
